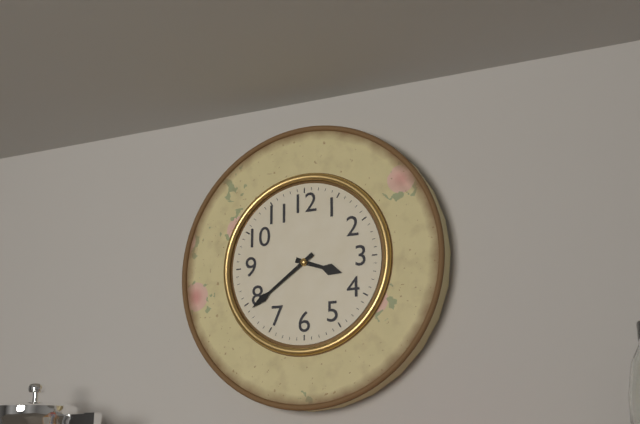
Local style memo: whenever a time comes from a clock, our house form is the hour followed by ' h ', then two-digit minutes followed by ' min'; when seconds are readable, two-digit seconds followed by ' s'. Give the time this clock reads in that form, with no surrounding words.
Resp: 3 h 39 min
